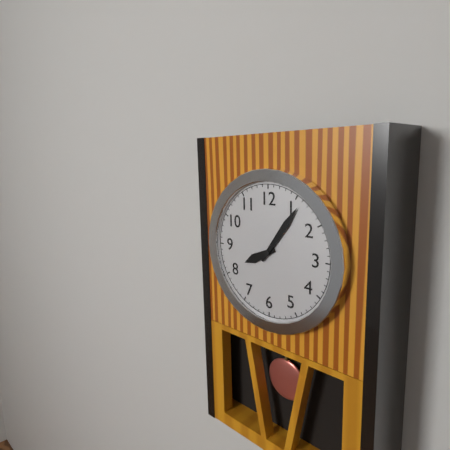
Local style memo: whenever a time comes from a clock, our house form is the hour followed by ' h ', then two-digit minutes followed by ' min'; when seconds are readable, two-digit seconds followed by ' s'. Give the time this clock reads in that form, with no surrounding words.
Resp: 8 h 06 min
